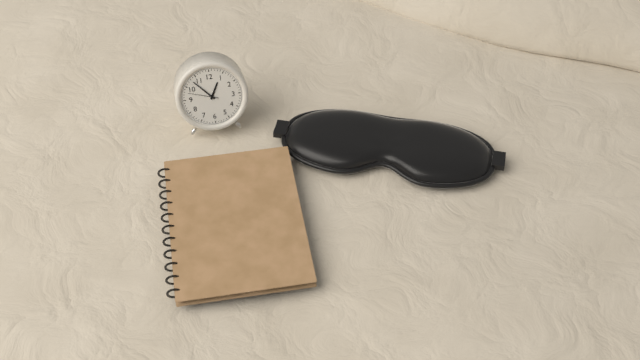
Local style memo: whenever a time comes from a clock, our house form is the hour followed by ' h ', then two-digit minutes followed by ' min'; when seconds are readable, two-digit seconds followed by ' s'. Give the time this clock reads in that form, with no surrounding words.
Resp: 12 h 53 min
